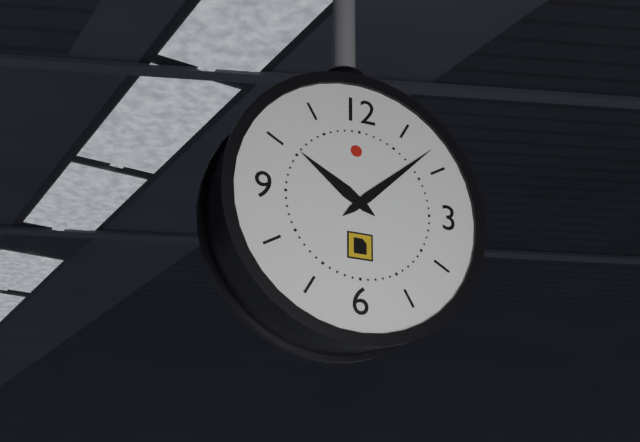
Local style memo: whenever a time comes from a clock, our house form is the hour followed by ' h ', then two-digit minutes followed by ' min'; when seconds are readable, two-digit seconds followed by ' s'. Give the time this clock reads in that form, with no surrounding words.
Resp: 10 h 08 min
